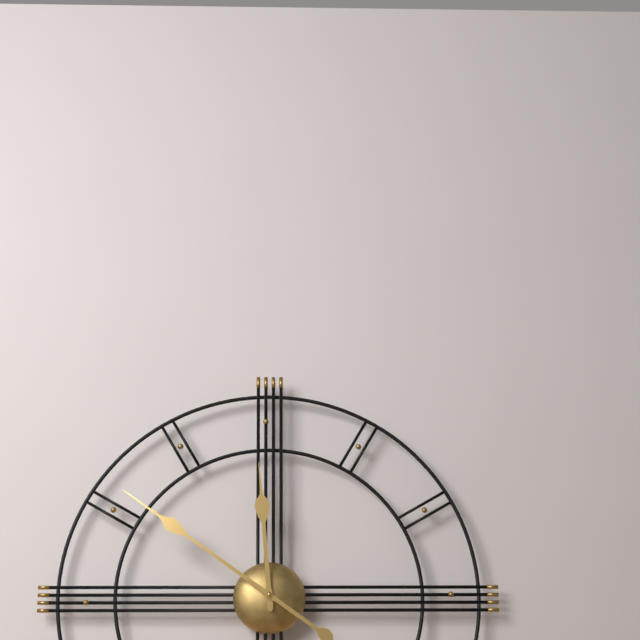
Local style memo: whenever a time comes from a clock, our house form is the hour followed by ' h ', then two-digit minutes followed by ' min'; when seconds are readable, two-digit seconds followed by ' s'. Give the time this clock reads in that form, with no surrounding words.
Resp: 11 h 51 min
